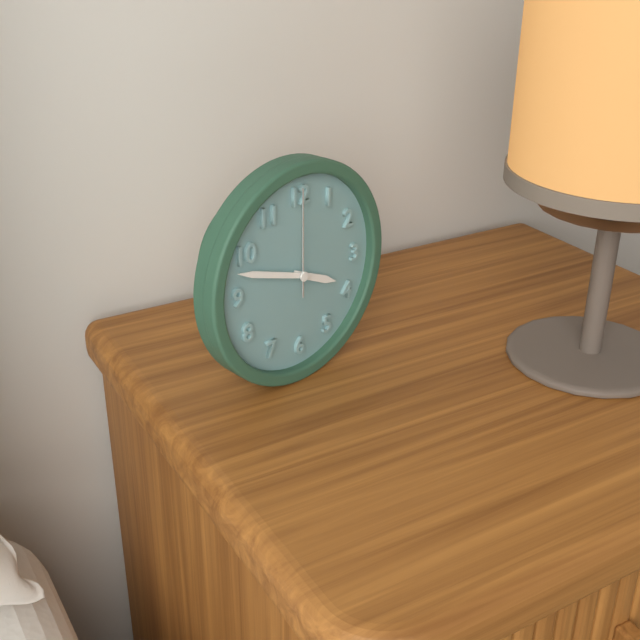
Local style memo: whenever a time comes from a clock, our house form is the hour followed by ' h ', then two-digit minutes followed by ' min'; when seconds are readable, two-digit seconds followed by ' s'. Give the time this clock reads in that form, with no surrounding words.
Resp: 3 h 48 min 00 s
